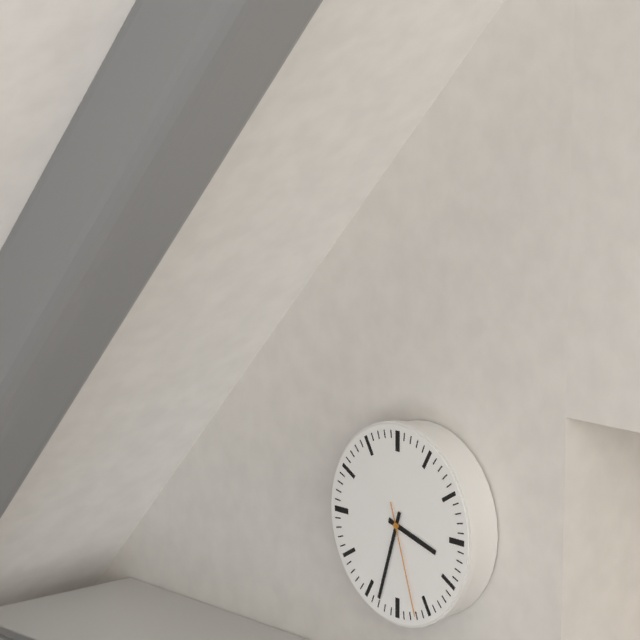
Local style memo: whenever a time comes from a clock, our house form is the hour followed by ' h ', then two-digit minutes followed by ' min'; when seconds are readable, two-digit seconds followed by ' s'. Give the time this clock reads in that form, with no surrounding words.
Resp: 3 h 33 min 27 s
